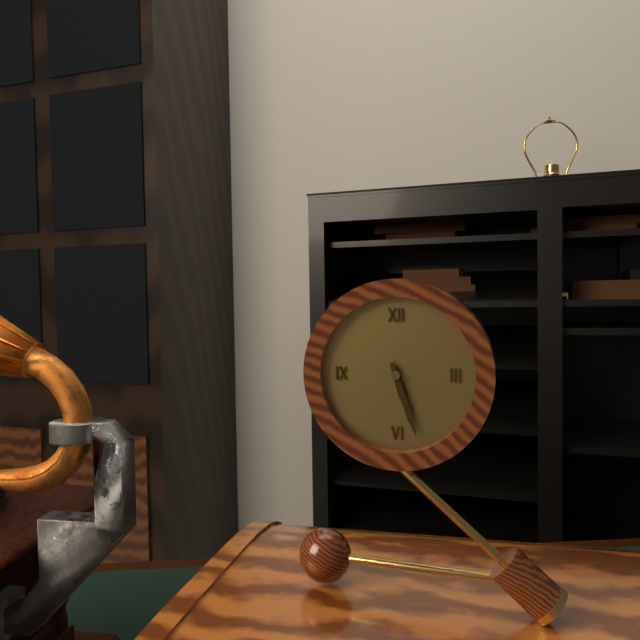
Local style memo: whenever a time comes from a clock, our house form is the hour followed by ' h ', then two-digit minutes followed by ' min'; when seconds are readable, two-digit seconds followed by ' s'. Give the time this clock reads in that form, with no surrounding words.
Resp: 5 h 27 min
